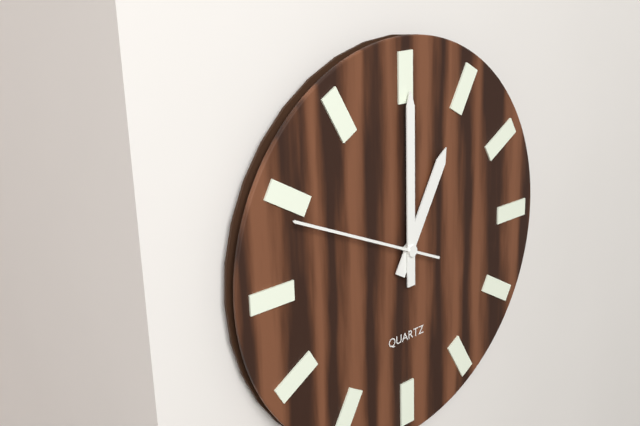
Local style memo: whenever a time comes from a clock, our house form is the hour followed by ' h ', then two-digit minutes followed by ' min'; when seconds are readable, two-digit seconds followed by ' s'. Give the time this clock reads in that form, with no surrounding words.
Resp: 1 h 00 min 49 s
